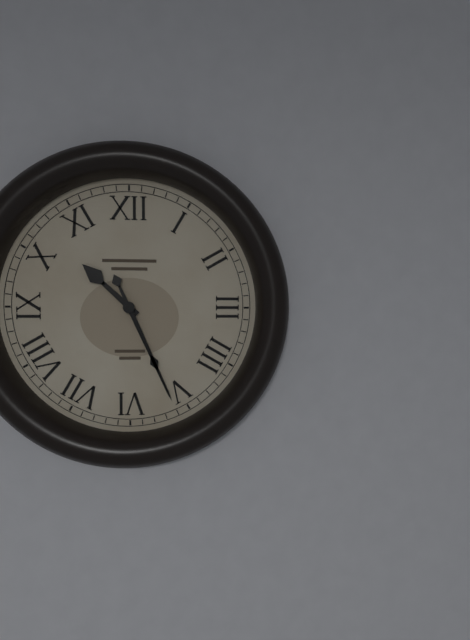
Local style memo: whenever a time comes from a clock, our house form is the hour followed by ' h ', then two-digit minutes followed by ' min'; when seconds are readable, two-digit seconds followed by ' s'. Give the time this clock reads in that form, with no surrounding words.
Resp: 10 h 26 min
